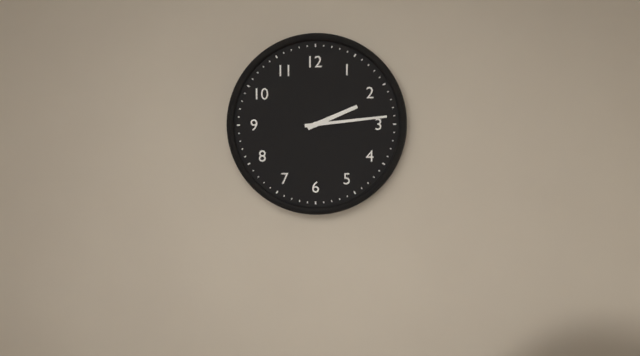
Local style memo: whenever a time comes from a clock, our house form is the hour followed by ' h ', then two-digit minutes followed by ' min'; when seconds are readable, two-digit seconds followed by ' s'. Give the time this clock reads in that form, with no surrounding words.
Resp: 2 h 14 min
